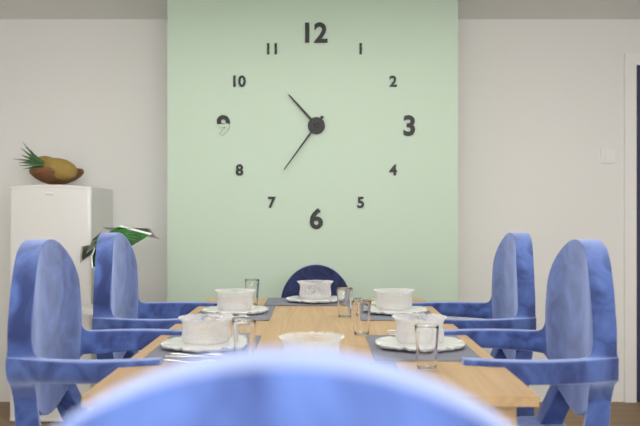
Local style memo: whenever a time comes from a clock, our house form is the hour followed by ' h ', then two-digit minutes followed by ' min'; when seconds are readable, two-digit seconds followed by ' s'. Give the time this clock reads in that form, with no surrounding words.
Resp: 10 h 36 min
